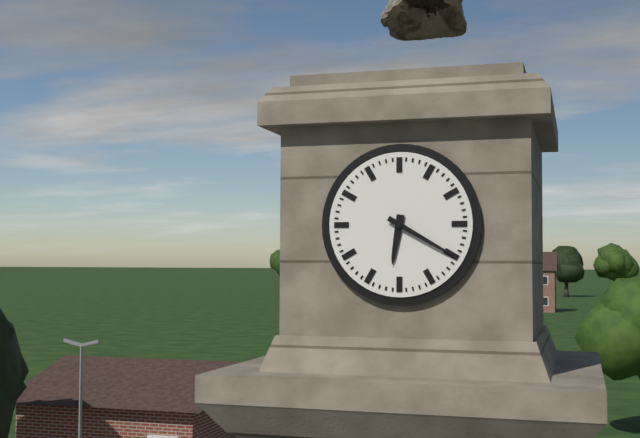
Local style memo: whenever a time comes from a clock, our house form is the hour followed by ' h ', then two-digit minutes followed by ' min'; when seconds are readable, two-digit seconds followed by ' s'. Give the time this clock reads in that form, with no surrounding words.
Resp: 6 h 20 min
